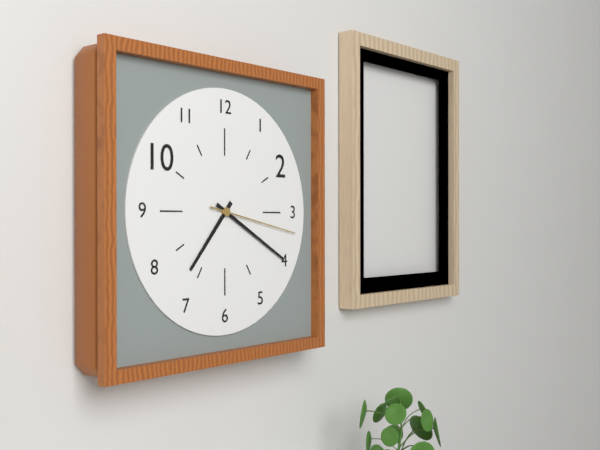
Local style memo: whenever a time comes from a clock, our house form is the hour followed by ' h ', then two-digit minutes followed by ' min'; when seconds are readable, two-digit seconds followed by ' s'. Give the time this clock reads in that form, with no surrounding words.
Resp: 7 h 20 min 17 s
